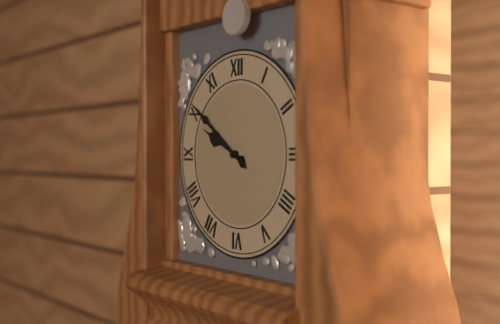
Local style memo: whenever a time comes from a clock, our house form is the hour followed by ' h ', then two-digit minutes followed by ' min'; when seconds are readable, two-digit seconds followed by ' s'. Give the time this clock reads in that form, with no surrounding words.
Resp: 9 h 51 min
